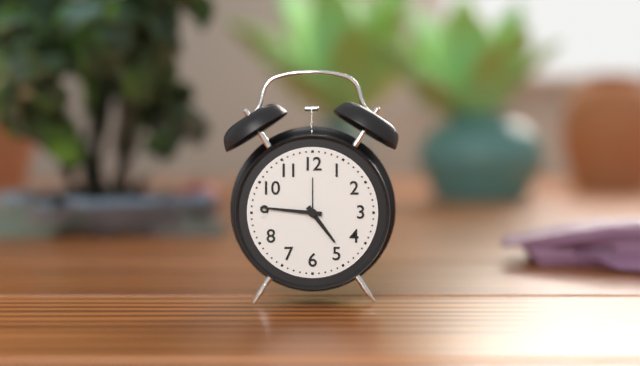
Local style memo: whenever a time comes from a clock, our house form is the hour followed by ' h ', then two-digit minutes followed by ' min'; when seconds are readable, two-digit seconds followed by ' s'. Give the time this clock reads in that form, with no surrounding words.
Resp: 4 h 46 min
